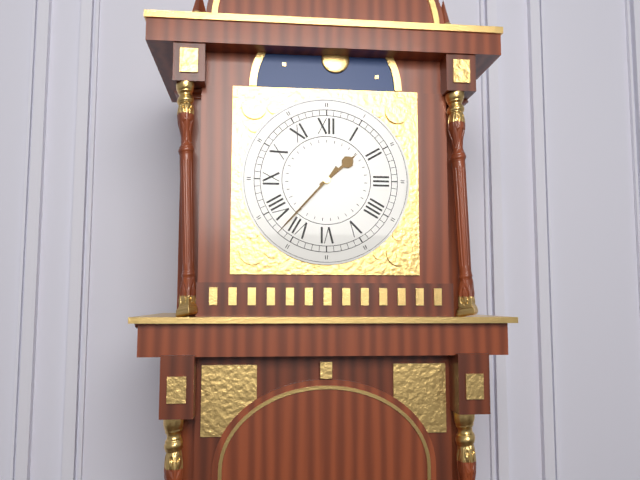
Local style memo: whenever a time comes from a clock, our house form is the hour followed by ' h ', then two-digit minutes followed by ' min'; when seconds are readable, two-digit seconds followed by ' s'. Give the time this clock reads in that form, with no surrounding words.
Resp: 1 h 37 min
